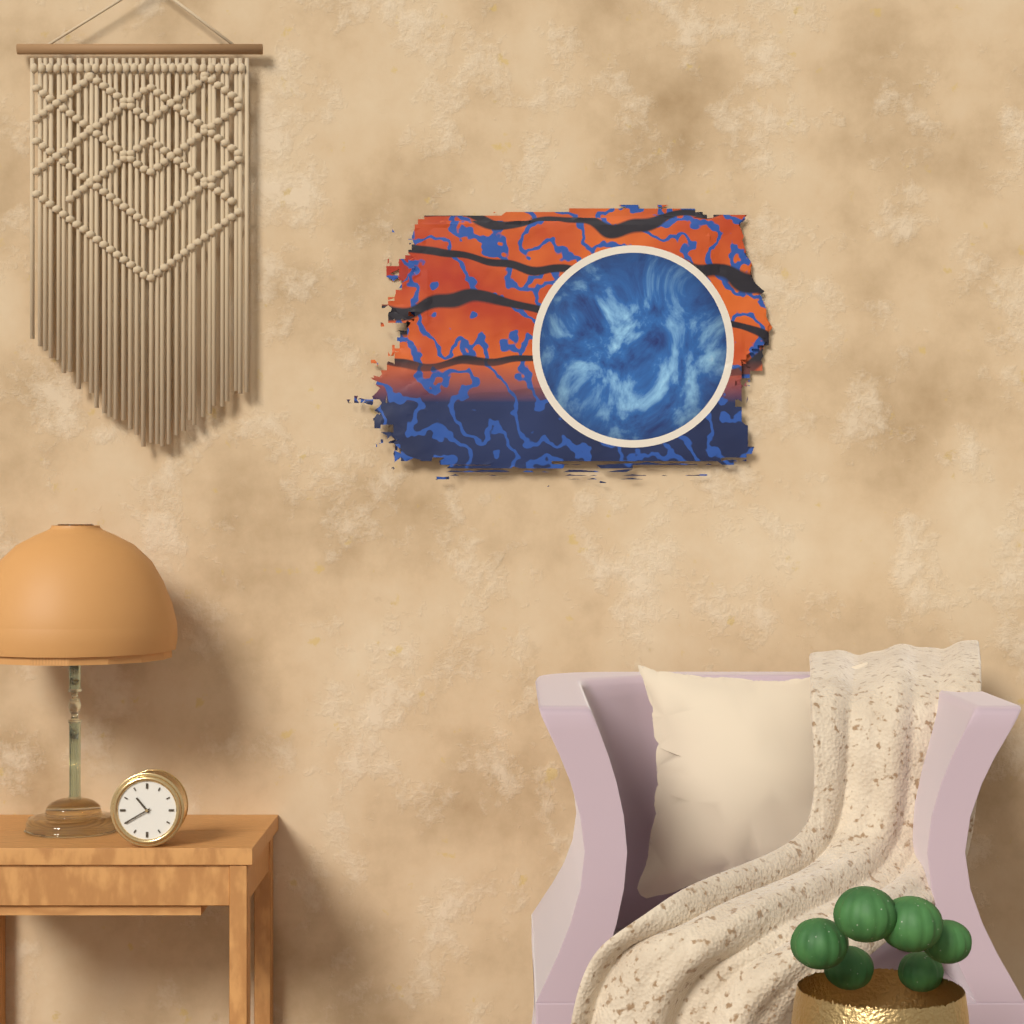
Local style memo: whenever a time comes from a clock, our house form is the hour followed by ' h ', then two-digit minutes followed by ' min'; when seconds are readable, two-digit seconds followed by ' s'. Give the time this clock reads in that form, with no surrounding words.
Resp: 10 h 40 min
